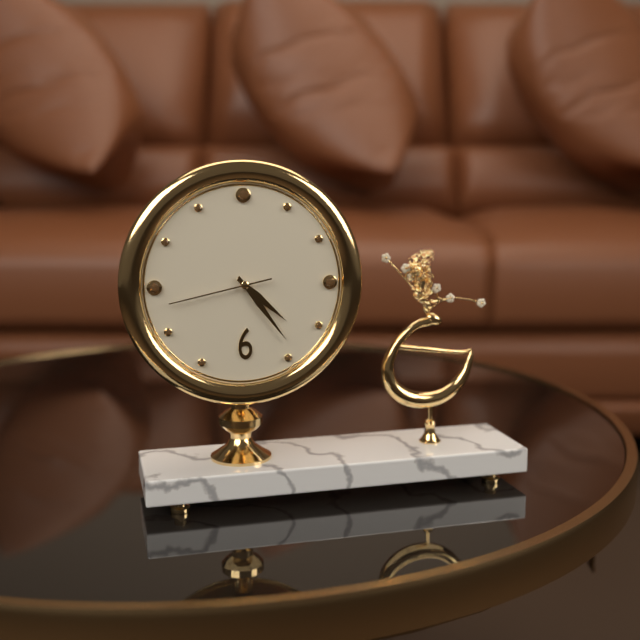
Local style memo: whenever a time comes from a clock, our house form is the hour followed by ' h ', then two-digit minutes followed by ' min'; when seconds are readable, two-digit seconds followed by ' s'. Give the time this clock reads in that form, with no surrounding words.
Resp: 4 h 24 min 43 s
